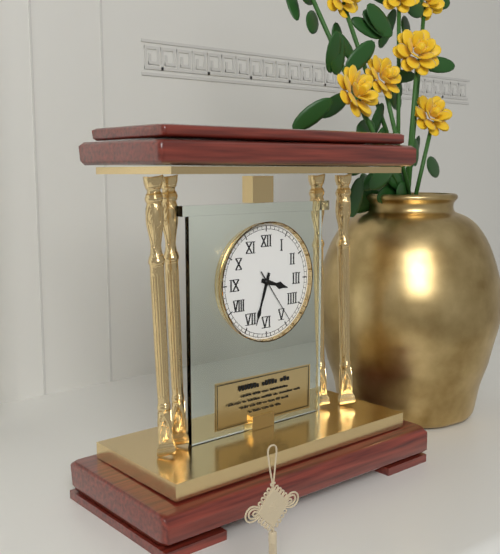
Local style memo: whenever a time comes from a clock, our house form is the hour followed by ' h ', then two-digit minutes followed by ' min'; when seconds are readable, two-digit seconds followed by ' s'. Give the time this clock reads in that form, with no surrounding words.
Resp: 3 h 33 min 24 s
